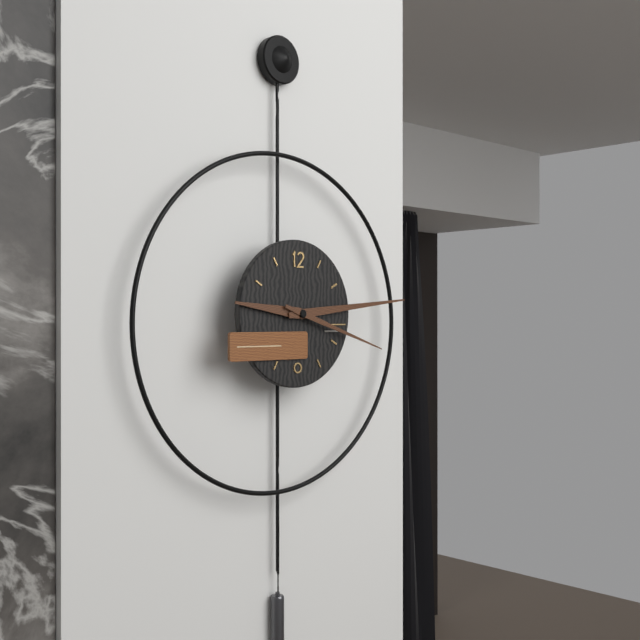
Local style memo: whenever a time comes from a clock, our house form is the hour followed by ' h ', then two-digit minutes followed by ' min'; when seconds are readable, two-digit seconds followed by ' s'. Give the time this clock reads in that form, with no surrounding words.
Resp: 9 h 14 min 18 s
